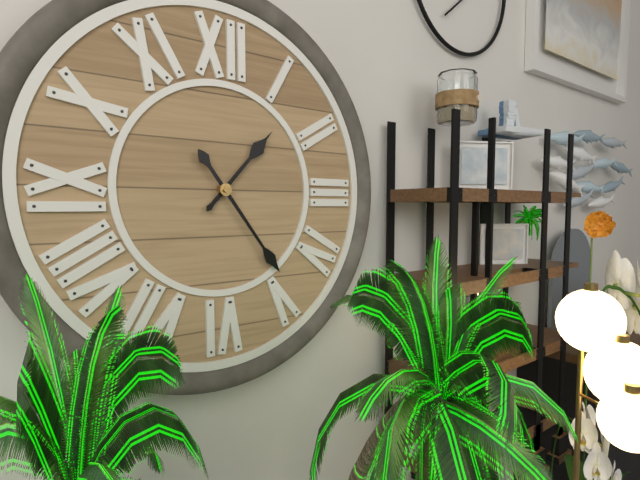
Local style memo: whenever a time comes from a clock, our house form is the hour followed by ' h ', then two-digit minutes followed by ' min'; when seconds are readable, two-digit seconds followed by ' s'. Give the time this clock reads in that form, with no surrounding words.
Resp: 1 h 24 min
